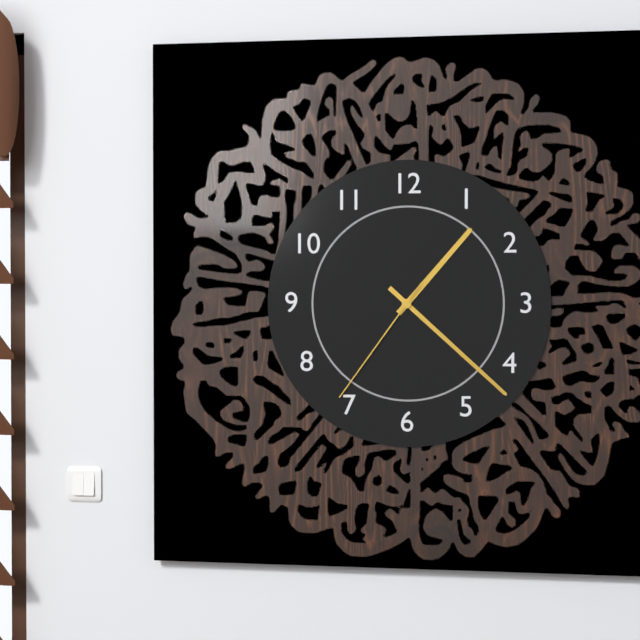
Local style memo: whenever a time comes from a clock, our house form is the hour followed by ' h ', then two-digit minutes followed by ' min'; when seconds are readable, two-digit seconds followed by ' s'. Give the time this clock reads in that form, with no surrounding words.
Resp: 1 h 22 min 36 s
